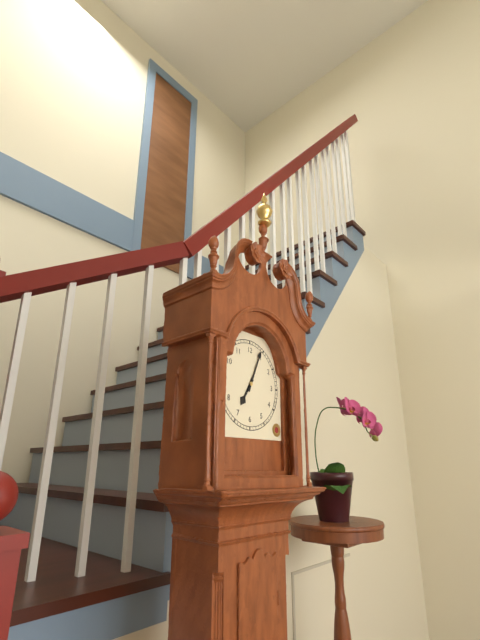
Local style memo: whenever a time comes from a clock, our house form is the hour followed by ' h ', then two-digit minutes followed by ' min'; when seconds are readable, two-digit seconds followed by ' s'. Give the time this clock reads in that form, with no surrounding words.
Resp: 7 h 04 min
